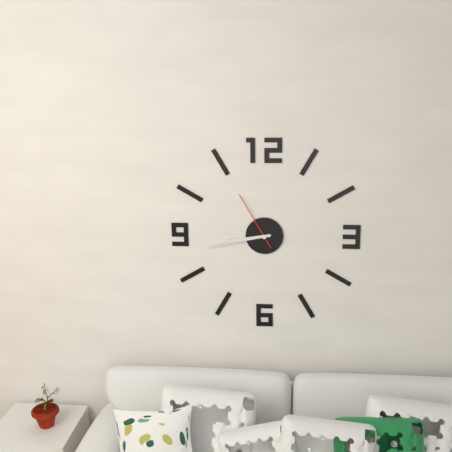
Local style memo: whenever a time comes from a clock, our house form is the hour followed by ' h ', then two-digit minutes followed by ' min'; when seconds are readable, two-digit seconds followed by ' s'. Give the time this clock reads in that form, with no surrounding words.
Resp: 8 h 43 min 55 s
